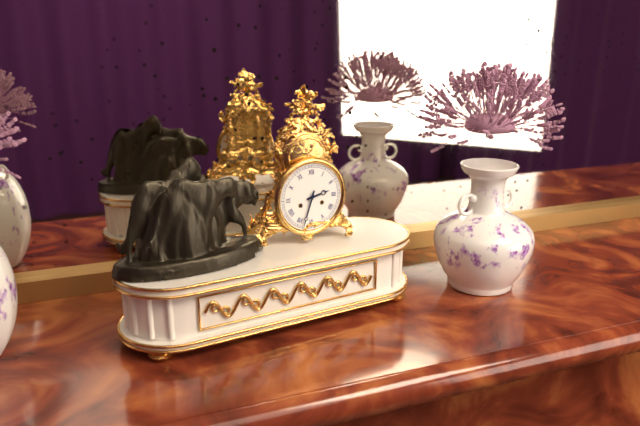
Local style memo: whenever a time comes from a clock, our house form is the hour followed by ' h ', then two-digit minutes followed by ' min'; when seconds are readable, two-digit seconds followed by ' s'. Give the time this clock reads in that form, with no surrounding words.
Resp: 2 h 33 min
